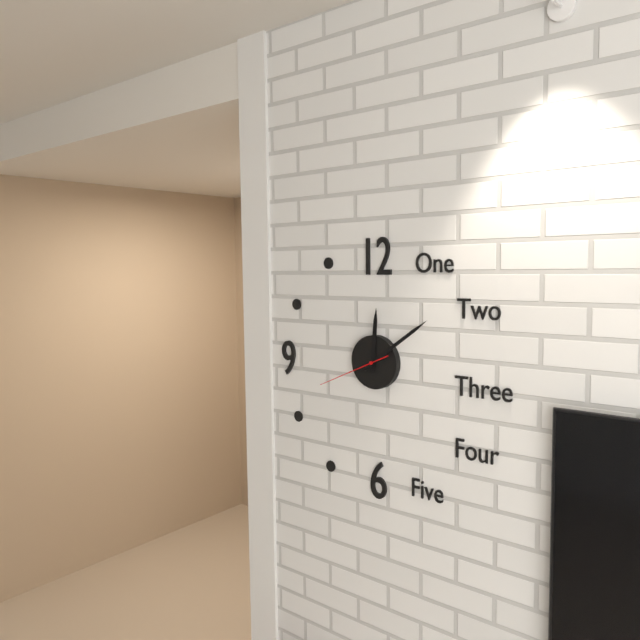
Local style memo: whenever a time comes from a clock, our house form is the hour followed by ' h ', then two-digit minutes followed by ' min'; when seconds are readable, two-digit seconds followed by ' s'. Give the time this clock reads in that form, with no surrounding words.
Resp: 12 h 09 min 41 s
